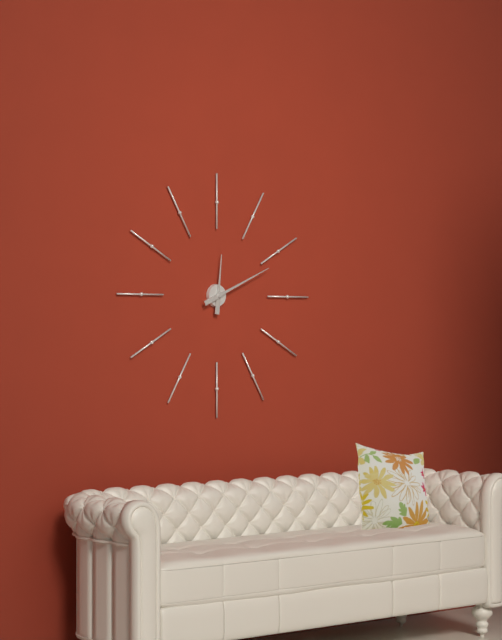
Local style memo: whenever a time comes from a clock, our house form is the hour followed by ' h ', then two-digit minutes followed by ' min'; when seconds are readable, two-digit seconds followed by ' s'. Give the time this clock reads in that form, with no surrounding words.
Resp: 12 h 11 min
